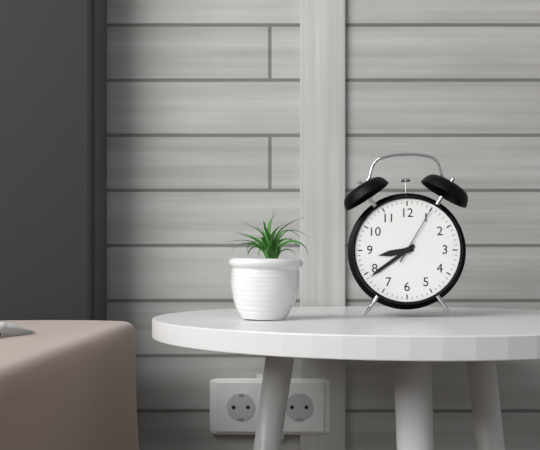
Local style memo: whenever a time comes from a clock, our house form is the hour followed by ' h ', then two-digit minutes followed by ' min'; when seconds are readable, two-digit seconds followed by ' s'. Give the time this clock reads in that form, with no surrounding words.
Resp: 8 h 39 min 05 s
